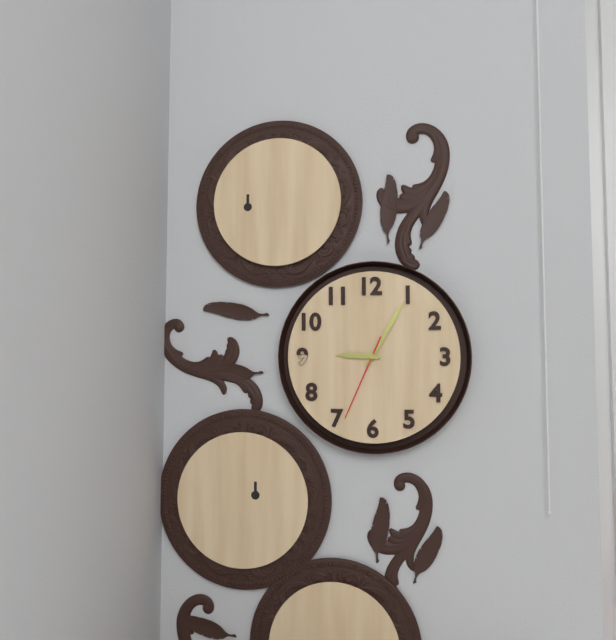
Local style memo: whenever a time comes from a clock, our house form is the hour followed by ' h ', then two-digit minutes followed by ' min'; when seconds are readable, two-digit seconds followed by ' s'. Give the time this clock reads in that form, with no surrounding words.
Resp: 9 h 05 min 34 s
